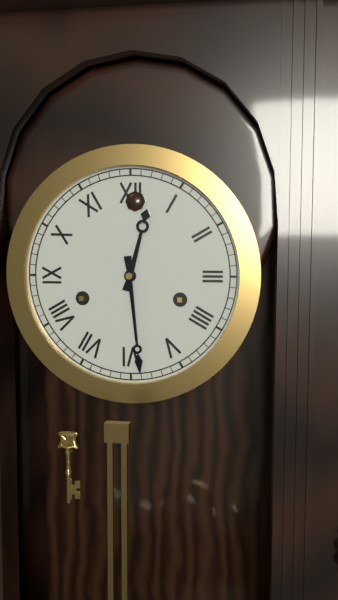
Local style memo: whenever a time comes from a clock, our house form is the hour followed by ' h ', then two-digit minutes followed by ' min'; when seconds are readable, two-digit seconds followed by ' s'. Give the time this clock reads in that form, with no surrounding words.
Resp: 12 h 29 min
